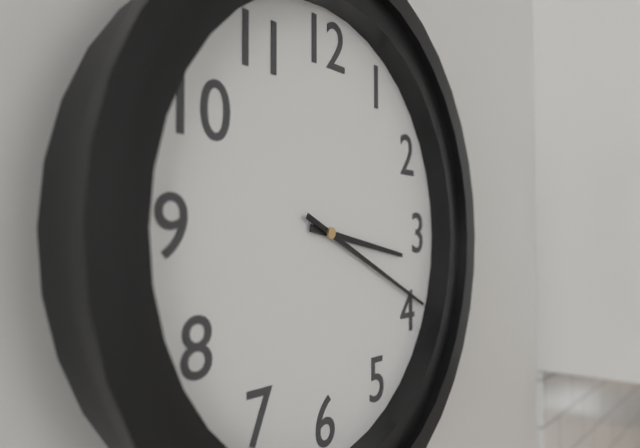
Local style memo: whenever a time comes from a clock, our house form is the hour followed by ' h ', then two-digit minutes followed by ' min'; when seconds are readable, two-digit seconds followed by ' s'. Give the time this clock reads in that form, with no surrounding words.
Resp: 3 h 19 min
